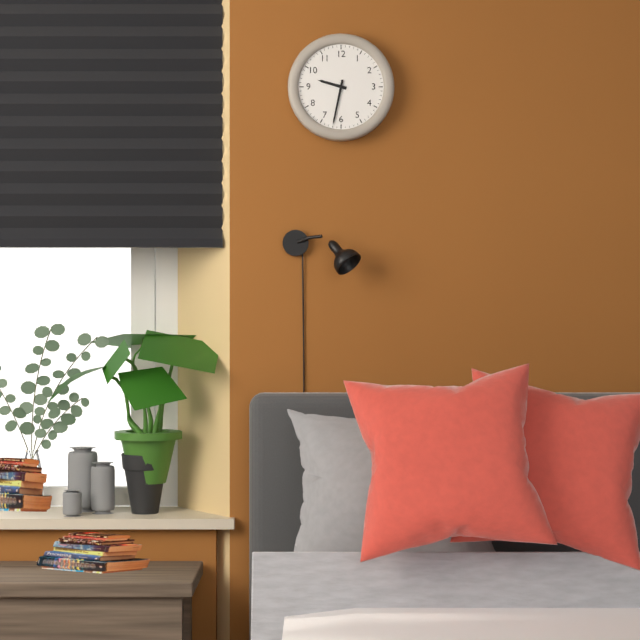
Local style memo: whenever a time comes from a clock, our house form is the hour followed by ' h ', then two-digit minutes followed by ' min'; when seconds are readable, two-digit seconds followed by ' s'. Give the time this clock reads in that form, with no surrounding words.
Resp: 9 h 32 min
